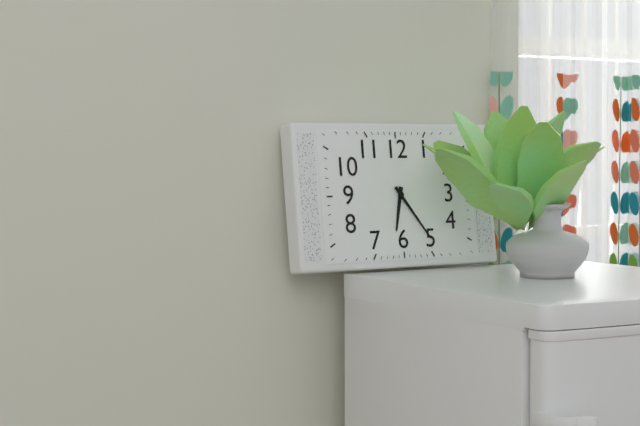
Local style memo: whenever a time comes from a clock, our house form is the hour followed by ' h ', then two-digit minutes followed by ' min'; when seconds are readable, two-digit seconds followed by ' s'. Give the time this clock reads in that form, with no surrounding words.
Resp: 6 h 24 min
